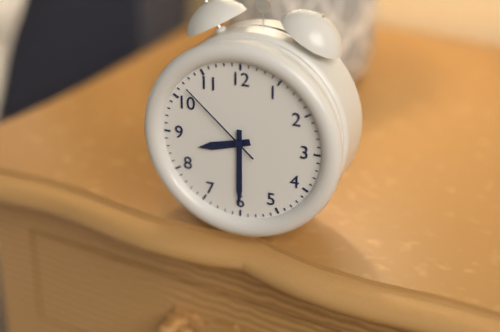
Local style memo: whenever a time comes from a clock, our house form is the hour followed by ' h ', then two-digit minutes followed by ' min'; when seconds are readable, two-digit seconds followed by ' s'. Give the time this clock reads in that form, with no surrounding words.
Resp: 8 h 30 min 52 s
